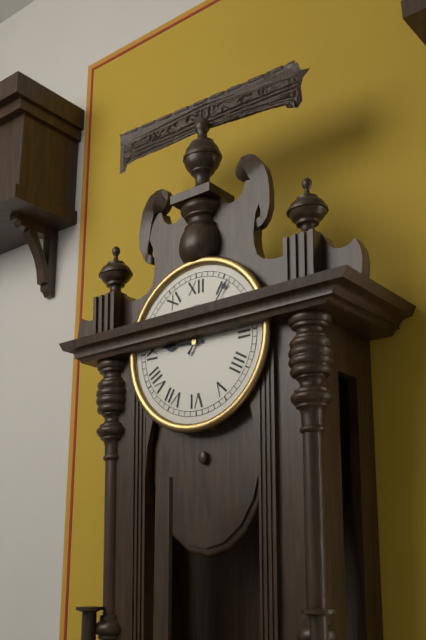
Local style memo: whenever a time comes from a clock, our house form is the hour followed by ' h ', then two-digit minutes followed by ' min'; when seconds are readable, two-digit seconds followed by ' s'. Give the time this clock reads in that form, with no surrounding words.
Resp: 9 h 06 min
